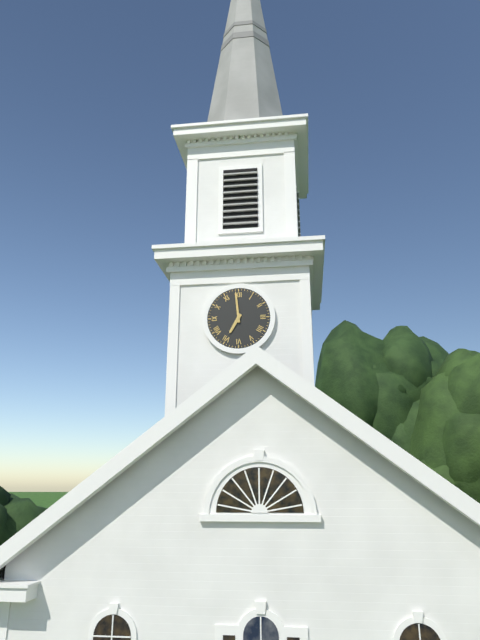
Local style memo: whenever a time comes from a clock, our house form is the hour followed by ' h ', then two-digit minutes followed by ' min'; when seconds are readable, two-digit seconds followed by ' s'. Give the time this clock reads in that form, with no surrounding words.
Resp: 6 h 59 min
